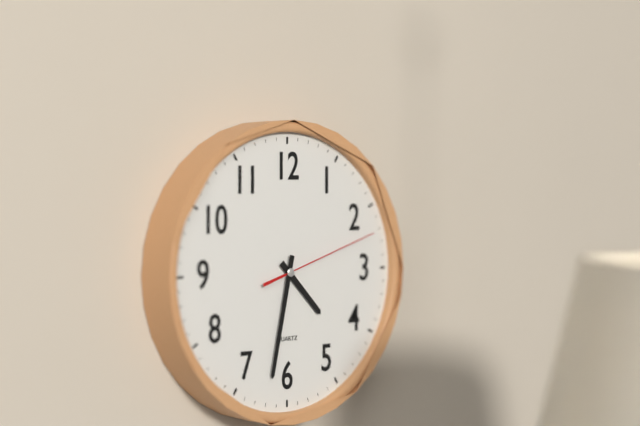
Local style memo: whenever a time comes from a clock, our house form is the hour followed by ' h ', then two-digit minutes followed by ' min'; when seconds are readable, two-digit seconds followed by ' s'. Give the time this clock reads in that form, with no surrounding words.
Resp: 4 h 32 min 12 s
